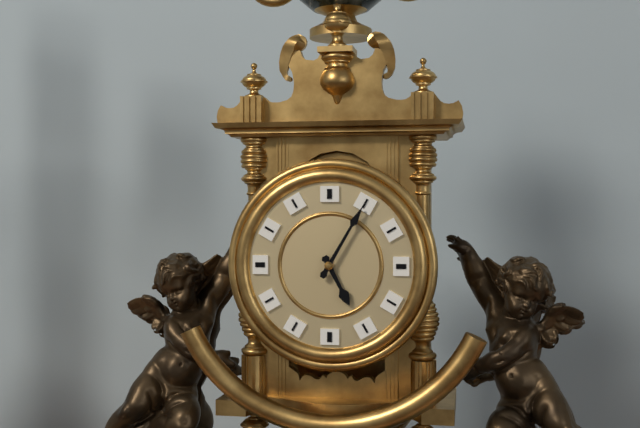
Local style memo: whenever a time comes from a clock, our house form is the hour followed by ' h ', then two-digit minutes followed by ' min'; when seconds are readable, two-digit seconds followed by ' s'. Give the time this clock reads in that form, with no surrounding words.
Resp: 5 h 05 min
